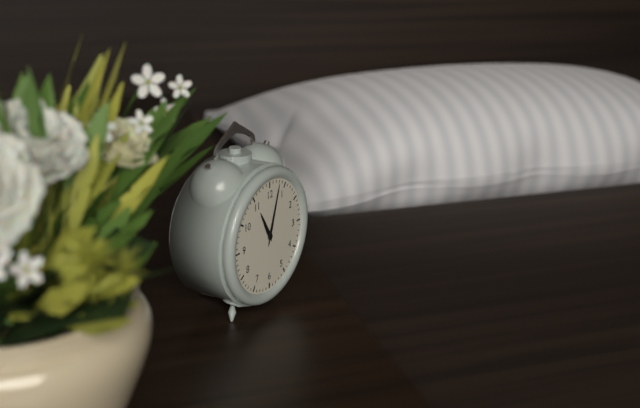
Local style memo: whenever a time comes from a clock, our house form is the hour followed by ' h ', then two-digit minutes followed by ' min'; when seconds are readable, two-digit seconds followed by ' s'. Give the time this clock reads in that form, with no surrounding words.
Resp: 11 h 03 min
